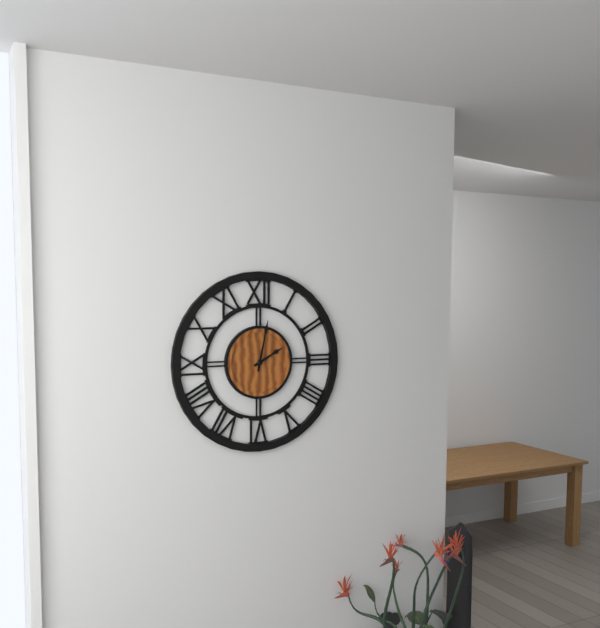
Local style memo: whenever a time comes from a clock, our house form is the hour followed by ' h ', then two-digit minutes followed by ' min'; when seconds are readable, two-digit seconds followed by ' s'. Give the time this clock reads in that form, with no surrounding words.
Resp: 2 h 02 min
